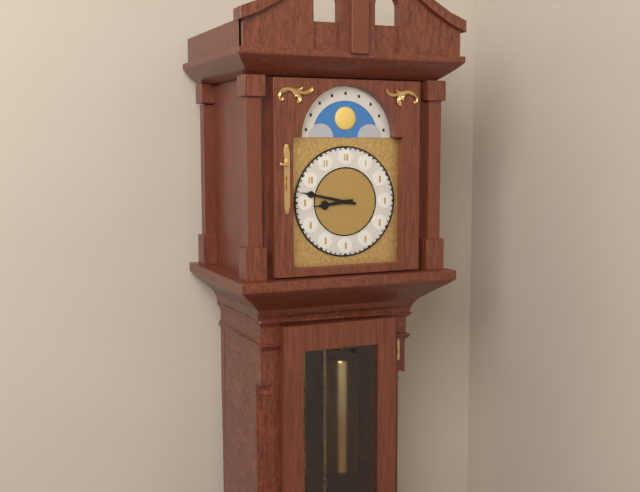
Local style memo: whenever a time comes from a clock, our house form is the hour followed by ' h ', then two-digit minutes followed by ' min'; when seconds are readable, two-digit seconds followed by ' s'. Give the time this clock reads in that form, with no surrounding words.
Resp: 8 h 47 min
